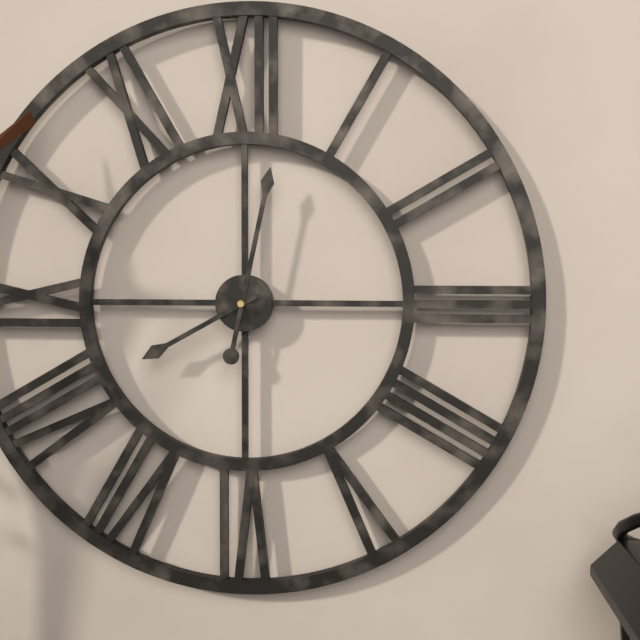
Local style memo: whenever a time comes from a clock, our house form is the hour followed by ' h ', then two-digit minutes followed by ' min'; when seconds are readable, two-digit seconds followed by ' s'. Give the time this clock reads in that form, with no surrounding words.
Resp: 8 h 02 min
